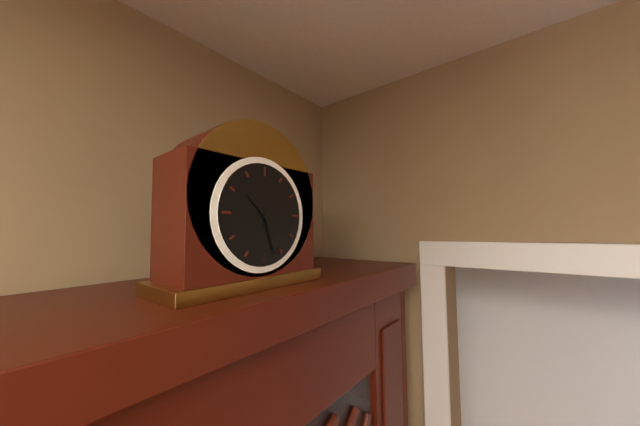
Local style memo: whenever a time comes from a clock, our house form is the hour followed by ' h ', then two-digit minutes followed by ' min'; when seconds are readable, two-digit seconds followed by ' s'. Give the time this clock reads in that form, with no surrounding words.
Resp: 10 h 27 min
